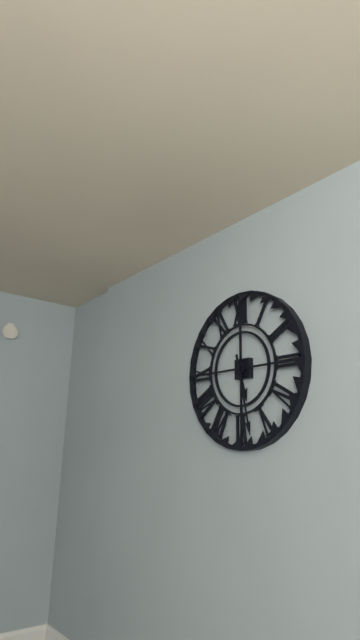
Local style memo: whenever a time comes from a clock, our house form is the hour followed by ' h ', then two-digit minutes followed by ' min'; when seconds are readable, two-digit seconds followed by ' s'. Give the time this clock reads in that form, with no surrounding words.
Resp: 5 h 28 min
